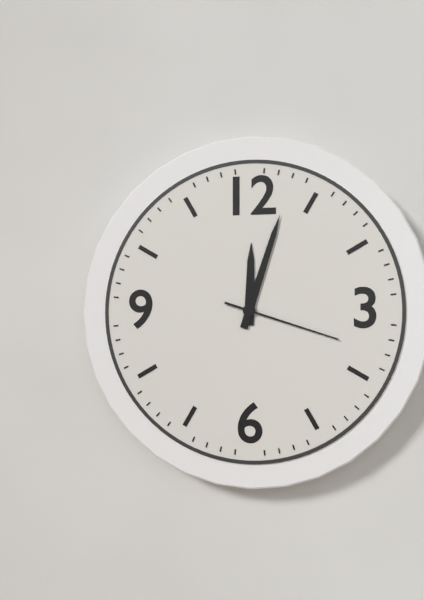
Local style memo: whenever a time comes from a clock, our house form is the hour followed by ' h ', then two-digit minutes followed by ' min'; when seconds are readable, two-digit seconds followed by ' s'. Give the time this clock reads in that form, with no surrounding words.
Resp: 12 h 03 min 18 s
